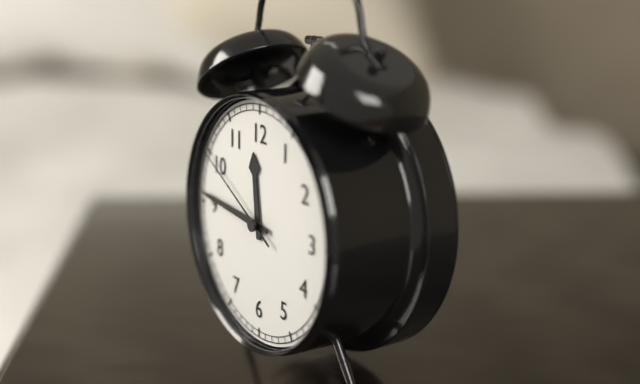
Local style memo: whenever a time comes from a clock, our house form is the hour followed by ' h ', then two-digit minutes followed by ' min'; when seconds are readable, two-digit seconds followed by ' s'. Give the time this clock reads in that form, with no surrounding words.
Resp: 11 h 46 min 50 s
